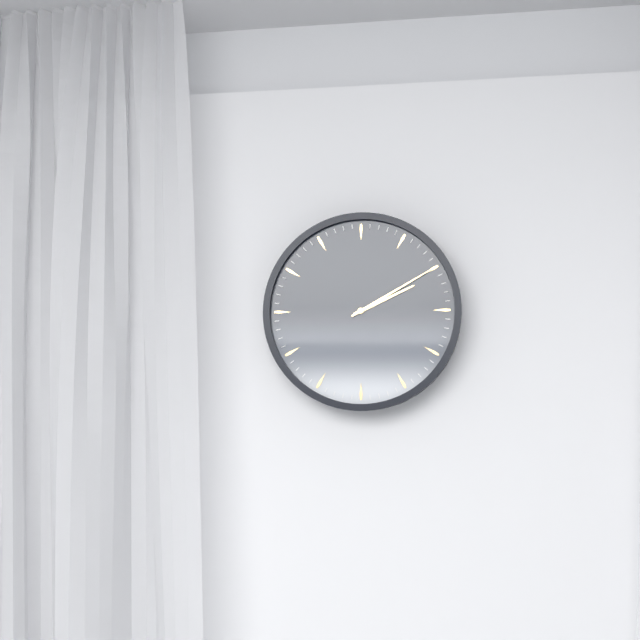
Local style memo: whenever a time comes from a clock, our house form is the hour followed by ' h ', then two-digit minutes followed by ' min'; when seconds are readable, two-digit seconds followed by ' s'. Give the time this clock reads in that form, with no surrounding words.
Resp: 2 h 10 min
